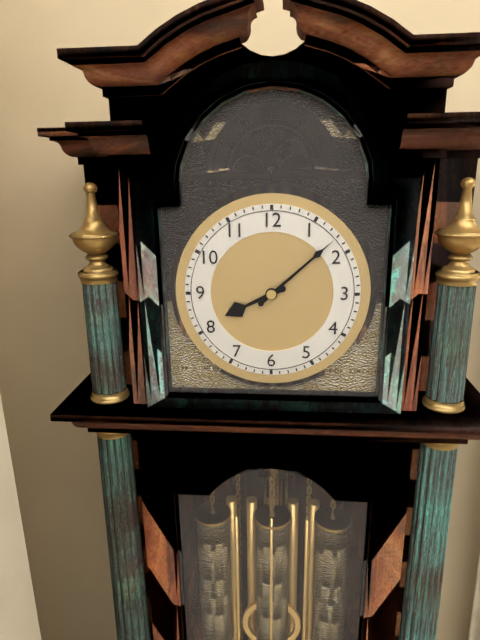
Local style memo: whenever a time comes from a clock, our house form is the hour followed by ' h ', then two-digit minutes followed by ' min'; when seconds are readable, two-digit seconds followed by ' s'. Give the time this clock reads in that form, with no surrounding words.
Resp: 8 h 08 min
